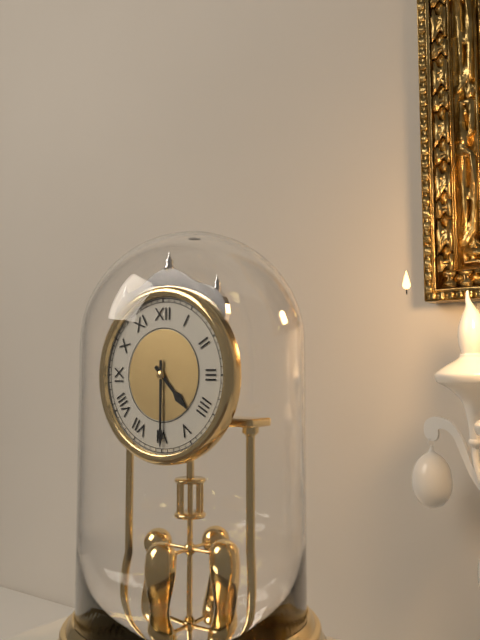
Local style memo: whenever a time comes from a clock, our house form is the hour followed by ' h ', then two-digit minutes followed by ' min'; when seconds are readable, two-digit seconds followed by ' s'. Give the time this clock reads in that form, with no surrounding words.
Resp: 4 h 30 min
